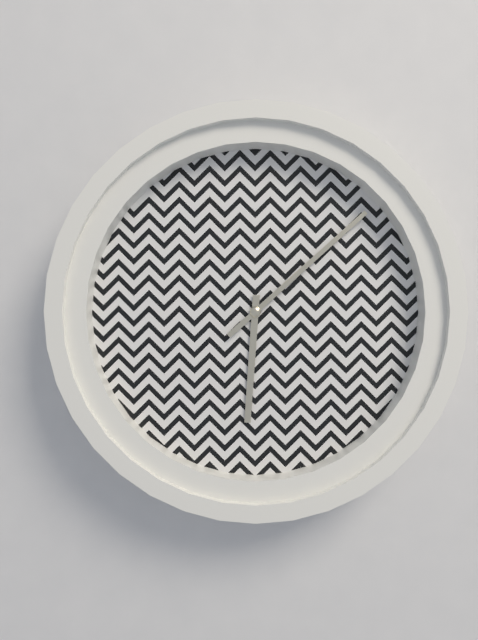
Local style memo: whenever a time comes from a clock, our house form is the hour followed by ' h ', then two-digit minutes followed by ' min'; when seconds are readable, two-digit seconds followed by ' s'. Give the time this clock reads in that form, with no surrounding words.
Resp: 6 h 08 min
